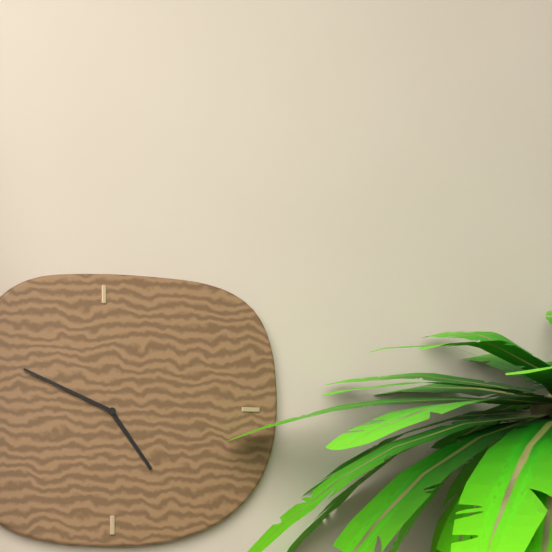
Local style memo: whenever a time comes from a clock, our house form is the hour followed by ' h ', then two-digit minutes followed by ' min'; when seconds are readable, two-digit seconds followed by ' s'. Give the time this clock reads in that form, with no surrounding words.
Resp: 4 h 49 min
